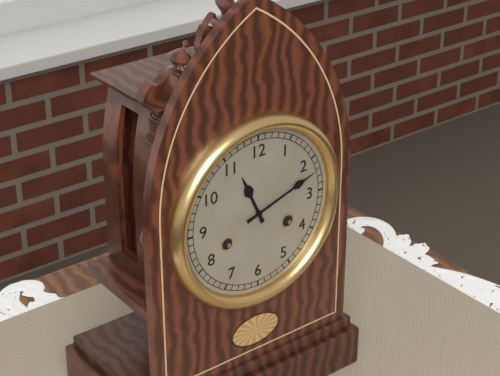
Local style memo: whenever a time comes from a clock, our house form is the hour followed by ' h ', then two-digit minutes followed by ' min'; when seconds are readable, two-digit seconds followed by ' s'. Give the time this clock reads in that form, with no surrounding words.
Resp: 11 h 12 min
